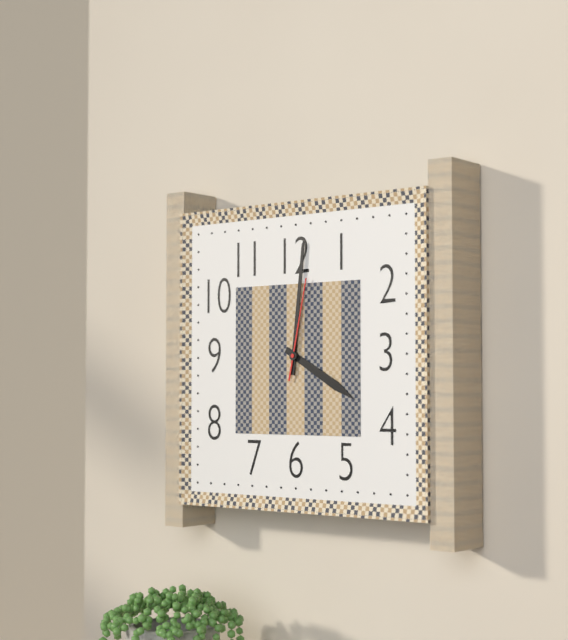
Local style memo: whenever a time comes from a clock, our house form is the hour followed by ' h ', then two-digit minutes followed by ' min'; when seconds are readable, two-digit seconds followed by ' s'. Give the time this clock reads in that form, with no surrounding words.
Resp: 4 h 01 min 02 s
